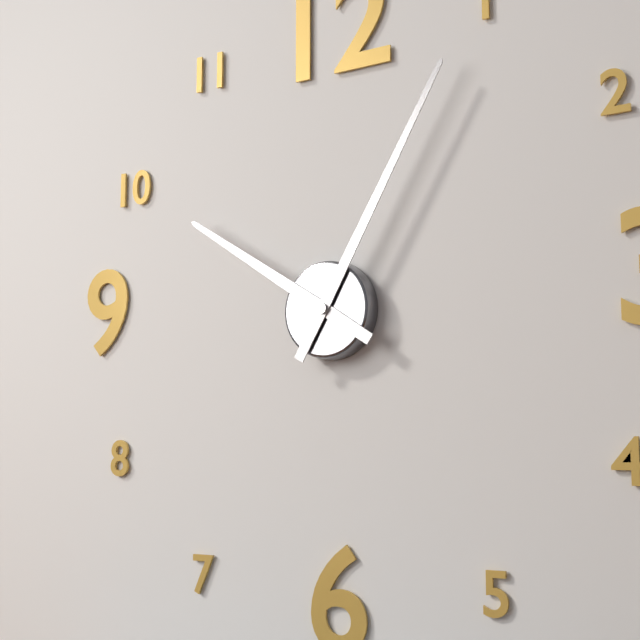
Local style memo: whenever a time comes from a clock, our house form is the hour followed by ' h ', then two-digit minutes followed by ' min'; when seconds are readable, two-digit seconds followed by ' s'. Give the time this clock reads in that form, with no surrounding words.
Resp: 10 h 05 min
